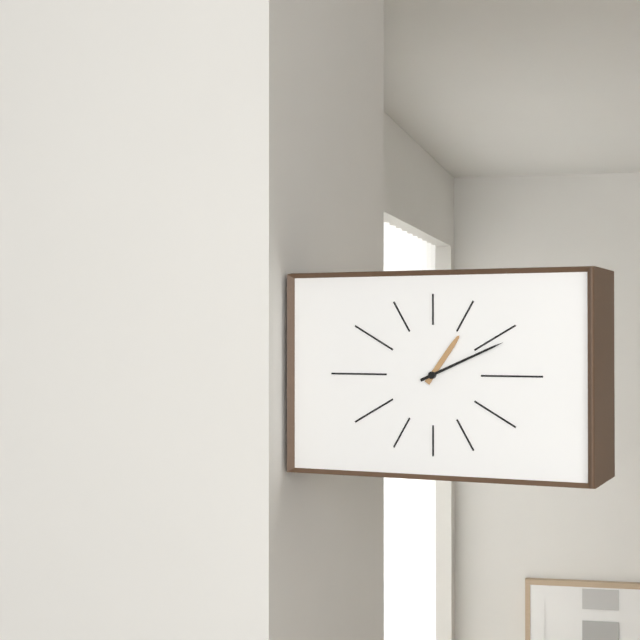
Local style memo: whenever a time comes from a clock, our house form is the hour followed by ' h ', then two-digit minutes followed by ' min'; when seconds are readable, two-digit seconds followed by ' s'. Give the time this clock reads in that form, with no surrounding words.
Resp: 1 h 11 min
